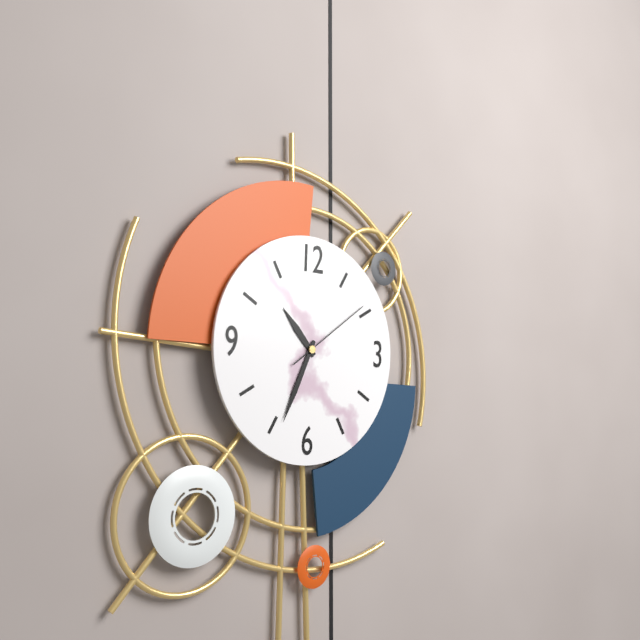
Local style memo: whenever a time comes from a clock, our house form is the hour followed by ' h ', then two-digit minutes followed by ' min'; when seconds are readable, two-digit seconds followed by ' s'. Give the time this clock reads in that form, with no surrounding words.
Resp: 10 h 34 min 09 s
